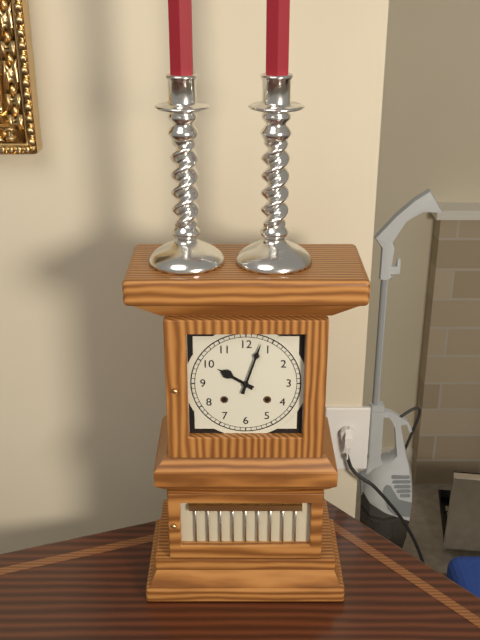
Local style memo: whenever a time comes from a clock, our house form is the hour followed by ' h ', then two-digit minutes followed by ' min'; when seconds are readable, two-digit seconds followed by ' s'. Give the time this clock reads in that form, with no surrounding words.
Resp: 10 h 03 min
